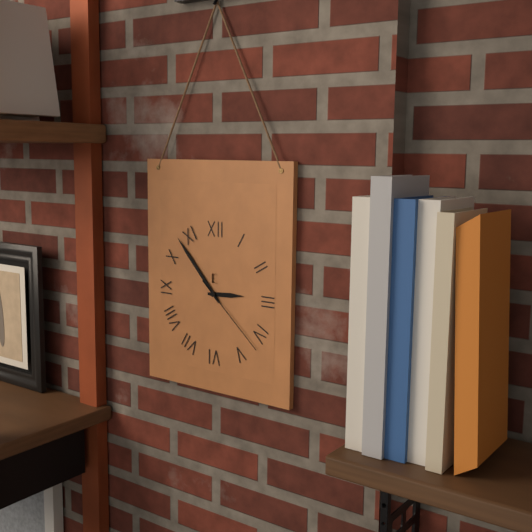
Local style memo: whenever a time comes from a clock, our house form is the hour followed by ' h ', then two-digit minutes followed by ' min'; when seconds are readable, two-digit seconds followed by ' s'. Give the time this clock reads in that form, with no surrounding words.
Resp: 2 h 53 min 22 s
